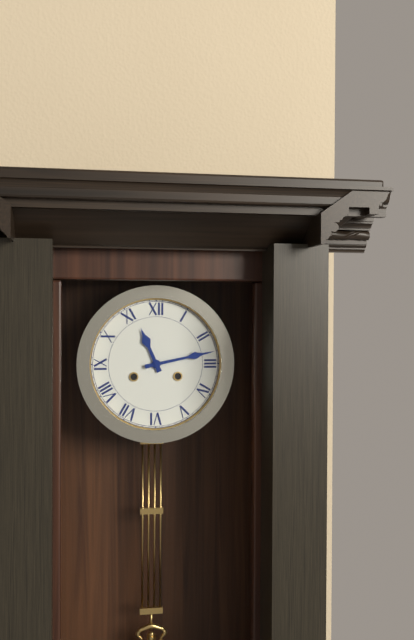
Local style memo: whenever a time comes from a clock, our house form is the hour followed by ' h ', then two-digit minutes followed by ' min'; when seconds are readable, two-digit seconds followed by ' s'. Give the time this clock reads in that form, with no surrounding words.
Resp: 11 h 13 min
